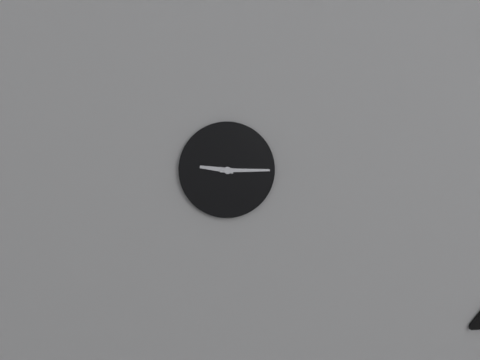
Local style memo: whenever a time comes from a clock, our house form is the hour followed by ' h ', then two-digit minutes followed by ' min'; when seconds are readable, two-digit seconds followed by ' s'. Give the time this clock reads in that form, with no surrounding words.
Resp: 9 h 15 min
